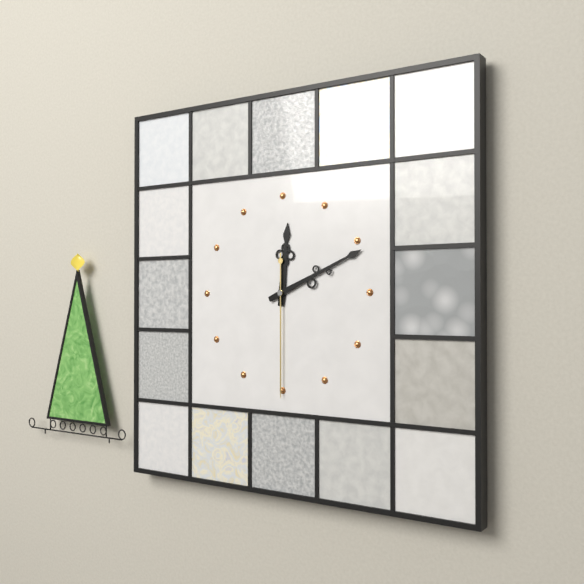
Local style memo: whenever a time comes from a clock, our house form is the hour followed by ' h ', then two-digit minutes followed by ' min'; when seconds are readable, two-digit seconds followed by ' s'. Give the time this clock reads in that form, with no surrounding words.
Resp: 12 h 11 min 30 s
